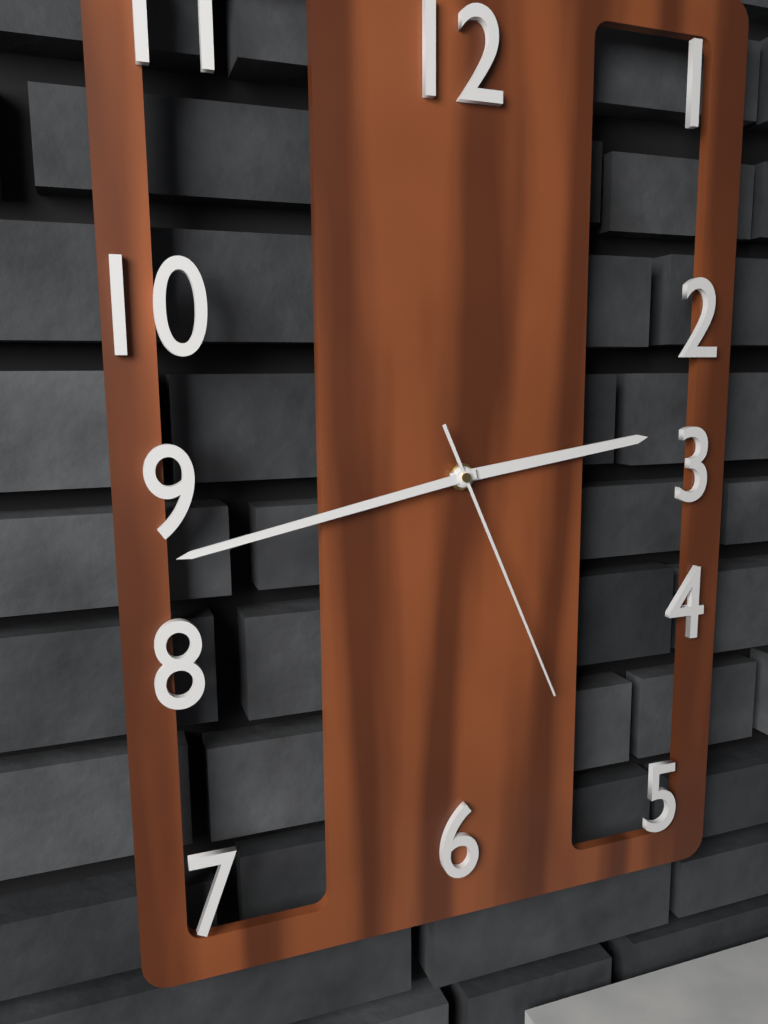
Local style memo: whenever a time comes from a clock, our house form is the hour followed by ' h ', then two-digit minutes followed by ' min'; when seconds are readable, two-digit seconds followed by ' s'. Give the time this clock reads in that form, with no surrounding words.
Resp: 2 h 43 min 26 s
